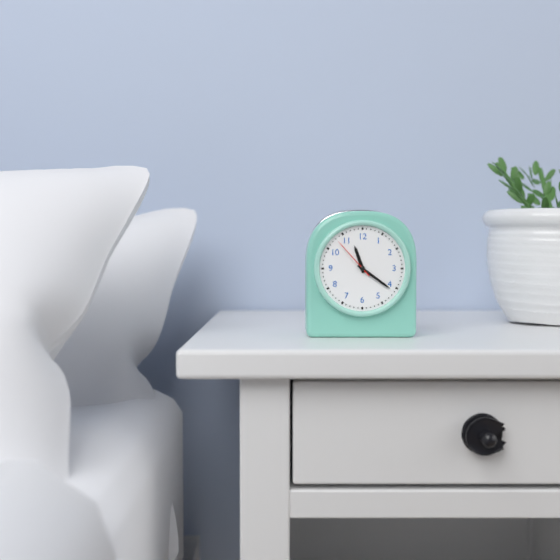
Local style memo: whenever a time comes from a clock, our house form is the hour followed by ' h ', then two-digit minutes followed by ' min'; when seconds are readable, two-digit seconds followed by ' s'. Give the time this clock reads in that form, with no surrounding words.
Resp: 11 h 21 min
